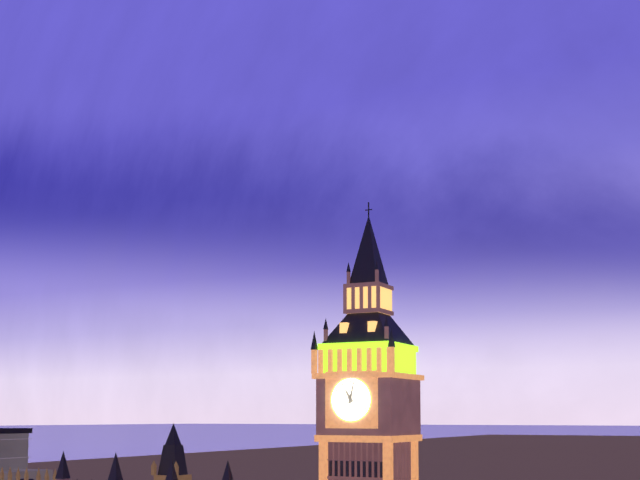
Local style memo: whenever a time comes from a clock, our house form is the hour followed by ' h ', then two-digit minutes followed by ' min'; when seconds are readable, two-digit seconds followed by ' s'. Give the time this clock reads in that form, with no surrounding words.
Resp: 11 h 02 min
